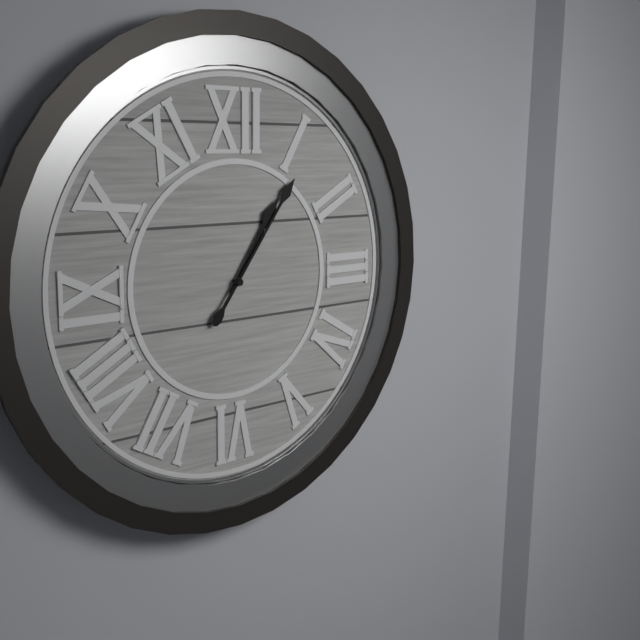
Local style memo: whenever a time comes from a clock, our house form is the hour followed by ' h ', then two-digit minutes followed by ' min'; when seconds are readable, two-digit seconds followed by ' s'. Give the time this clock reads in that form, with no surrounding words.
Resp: 1 h 06 min
